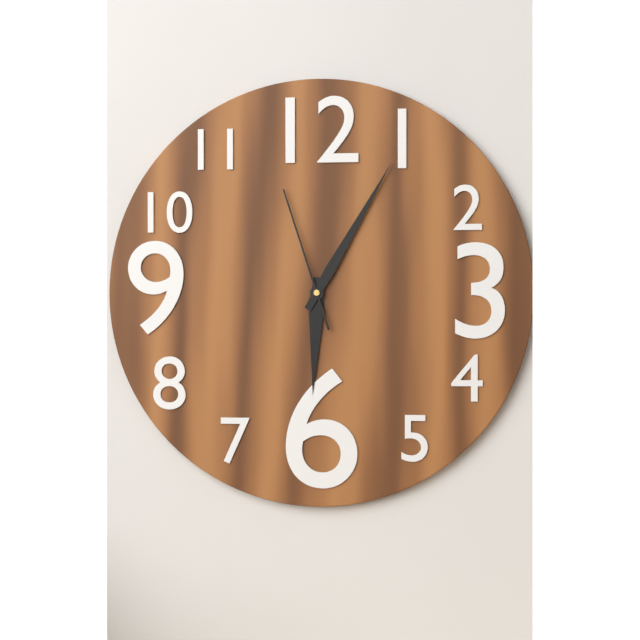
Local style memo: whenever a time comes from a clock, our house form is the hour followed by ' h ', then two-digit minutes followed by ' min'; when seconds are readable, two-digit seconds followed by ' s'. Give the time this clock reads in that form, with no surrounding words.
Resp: 6 h 05 min 57 s
